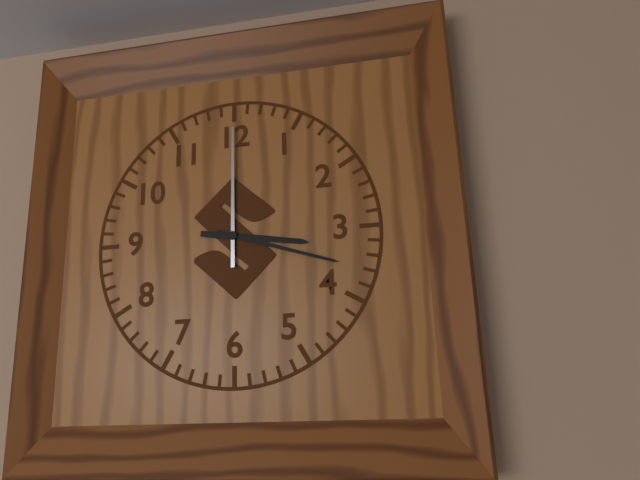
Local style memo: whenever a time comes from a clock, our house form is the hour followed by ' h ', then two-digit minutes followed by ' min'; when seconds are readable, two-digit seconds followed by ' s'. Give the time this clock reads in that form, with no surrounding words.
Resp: 3 h 18 min 00 s
